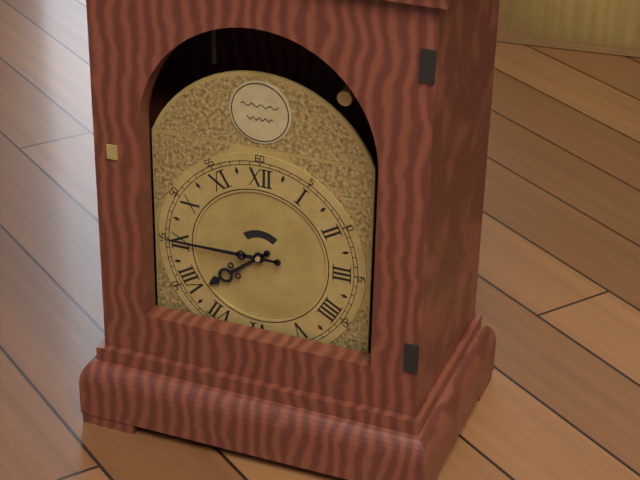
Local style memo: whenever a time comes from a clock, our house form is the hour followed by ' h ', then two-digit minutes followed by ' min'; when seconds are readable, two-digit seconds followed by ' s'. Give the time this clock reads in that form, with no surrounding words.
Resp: 7 h 45 min
